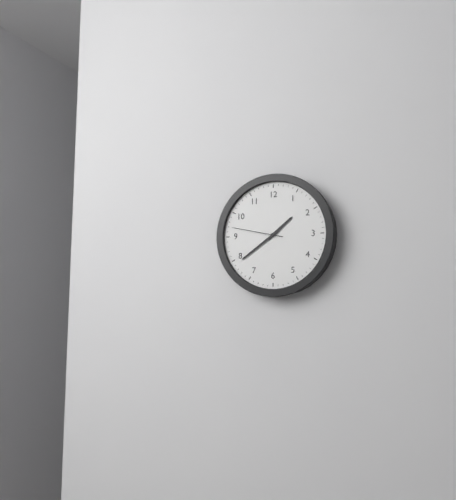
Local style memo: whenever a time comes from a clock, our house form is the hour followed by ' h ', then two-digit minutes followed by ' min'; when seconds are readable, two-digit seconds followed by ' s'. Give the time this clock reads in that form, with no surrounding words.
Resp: 1 h 39 min 47 s
